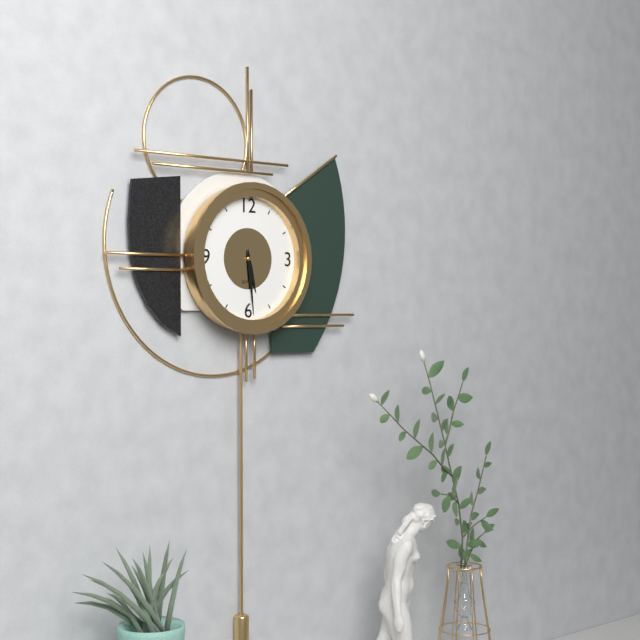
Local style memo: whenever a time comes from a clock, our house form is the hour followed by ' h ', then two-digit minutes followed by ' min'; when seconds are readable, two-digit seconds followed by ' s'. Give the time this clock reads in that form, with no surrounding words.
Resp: 5 h 29 min
